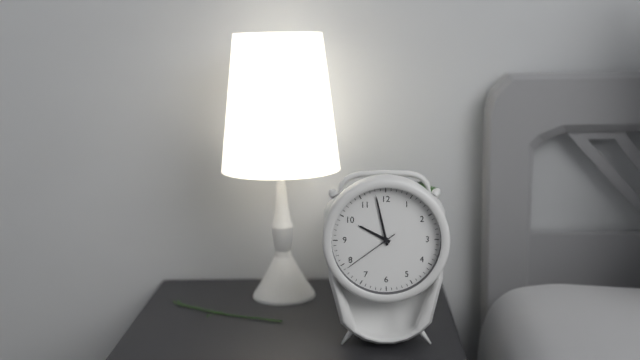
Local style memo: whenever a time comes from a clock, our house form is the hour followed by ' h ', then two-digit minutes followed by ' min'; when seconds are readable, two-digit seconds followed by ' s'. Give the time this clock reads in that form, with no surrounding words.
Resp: 9 h 58 min 39 s
